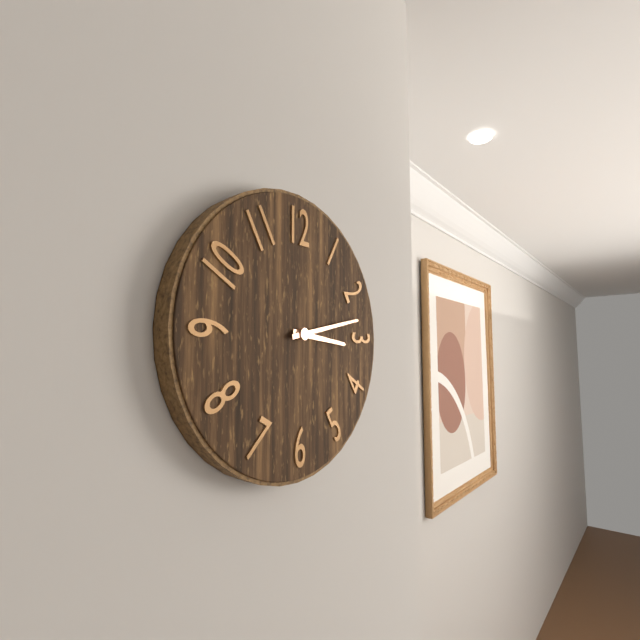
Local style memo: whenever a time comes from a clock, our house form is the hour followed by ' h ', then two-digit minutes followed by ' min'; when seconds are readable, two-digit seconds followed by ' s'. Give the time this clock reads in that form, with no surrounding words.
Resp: 3 h 13 min
